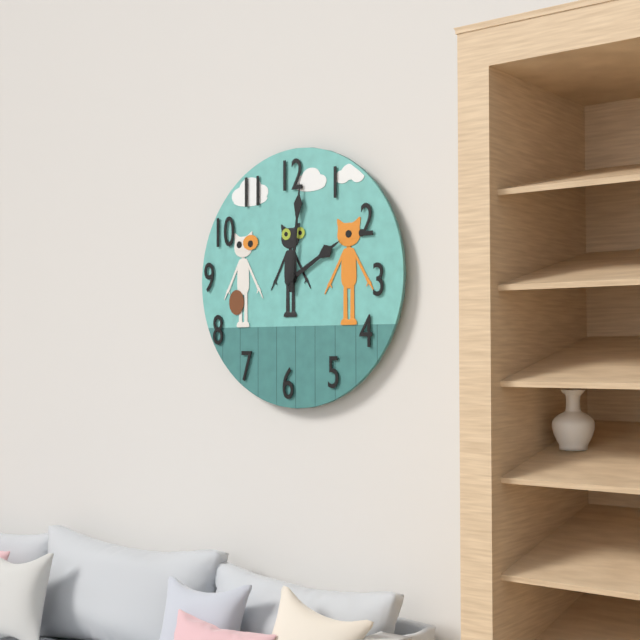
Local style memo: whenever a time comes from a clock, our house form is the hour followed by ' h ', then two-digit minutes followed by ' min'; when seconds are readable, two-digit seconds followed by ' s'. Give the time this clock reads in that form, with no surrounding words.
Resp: 2 h 01 min
